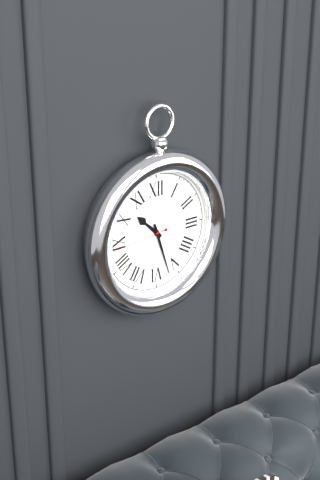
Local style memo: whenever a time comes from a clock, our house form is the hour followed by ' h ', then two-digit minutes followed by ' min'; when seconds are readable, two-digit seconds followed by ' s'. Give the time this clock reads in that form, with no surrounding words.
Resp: 10 h 27 min 44 s
